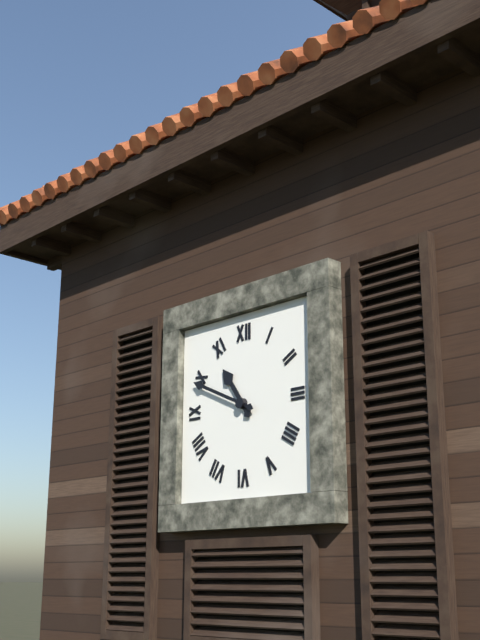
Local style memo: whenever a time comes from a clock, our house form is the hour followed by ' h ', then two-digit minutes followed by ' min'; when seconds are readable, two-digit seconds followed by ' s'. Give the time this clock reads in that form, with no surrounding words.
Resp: 10 h 49 min
